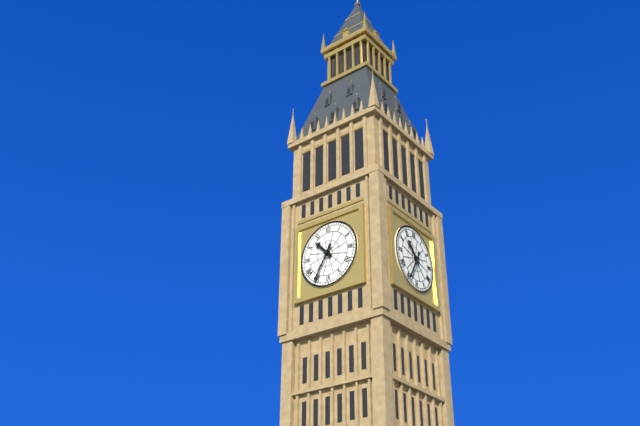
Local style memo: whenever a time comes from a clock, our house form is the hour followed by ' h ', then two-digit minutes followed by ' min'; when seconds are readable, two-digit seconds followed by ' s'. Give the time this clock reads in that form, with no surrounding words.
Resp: 10 h 35 min
